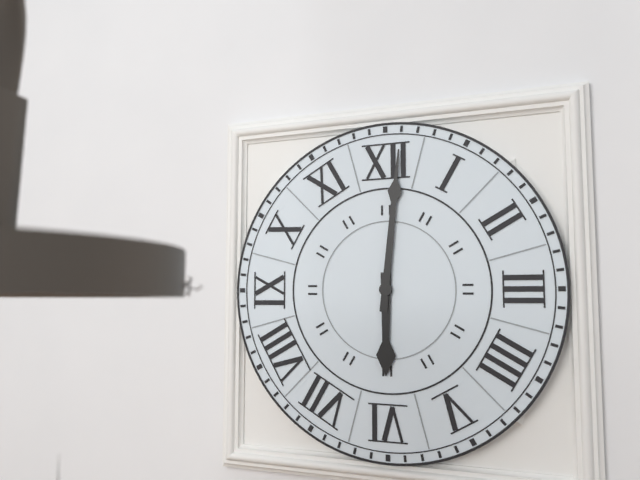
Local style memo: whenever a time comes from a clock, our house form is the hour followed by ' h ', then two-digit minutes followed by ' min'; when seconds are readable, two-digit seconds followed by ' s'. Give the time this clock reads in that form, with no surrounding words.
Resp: 6 h 01 min
